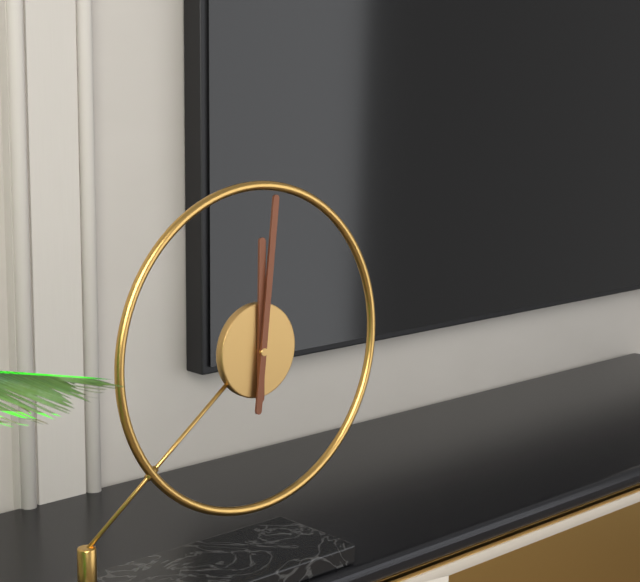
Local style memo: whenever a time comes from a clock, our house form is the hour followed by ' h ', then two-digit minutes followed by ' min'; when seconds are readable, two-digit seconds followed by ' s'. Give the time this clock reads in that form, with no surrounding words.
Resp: 12 h 01 min
